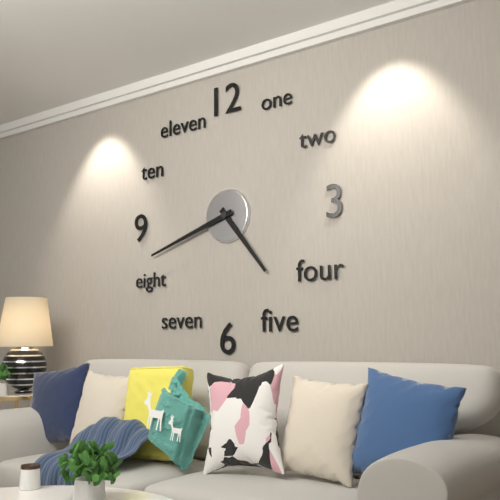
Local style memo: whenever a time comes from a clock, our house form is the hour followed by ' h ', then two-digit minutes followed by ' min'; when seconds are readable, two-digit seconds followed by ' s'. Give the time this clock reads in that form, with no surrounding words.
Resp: 4 h 42 min
